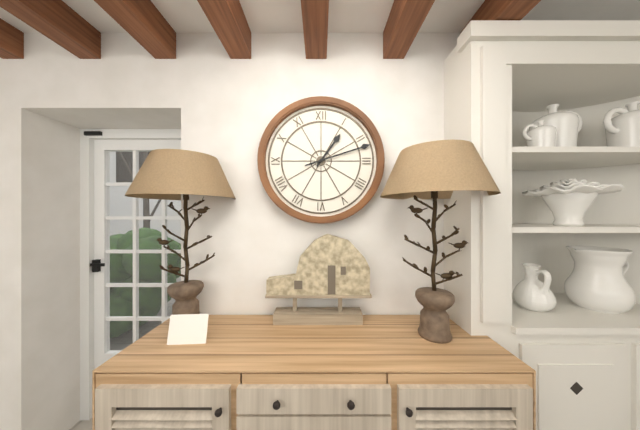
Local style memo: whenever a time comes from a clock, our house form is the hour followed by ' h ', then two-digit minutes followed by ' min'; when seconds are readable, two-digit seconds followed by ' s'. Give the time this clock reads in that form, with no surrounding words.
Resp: 1 h 12 min
